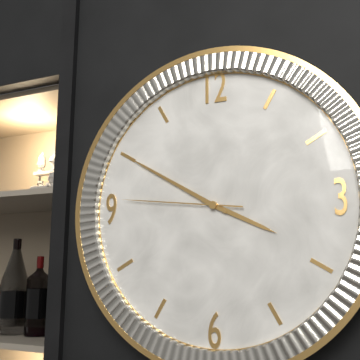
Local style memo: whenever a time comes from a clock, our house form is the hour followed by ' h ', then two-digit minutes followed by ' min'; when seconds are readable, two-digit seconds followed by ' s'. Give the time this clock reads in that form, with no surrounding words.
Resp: 3 h 50 min 46 s
